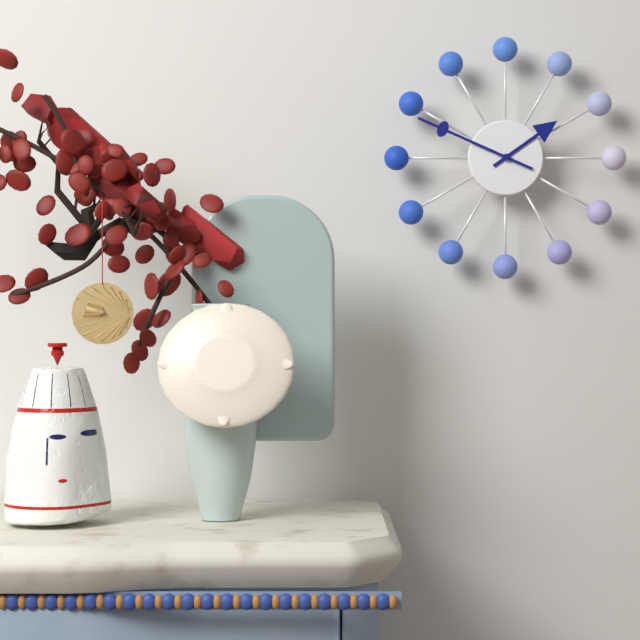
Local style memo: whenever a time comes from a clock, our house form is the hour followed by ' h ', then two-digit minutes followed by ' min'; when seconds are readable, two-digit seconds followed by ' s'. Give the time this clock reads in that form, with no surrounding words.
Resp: 1 h 49 min
